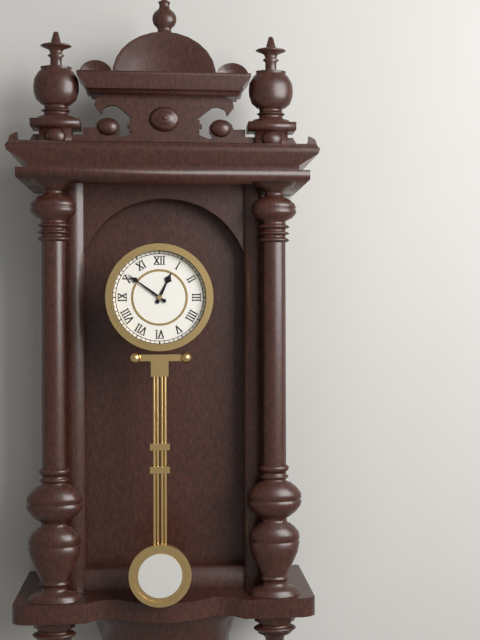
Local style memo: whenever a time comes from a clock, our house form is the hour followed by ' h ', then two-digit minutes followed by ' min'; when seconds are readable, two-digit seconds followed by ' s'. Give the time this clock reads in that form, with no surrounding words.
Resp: 12 h 51 min
